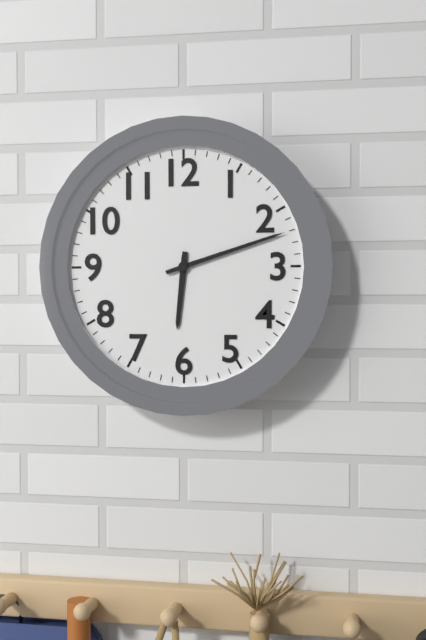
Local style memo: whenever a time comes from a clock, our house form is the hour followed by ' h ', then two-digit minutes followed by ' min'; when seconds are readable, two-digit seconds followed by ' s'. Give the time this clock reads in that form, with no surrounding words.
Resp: 6 h 12 min
